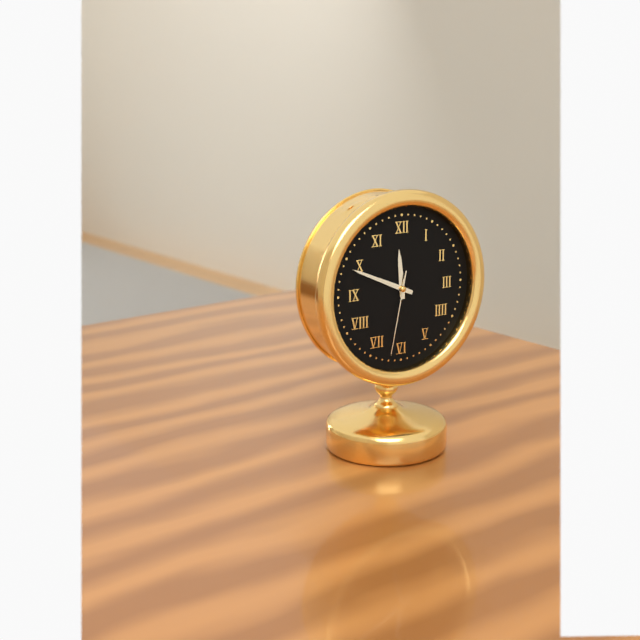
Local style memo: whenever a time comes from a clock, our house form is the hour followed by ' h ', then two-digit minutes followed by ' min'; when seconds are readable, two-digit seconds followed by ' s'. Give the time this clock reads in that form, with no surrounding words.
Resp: 11 h 49 min 32 s
